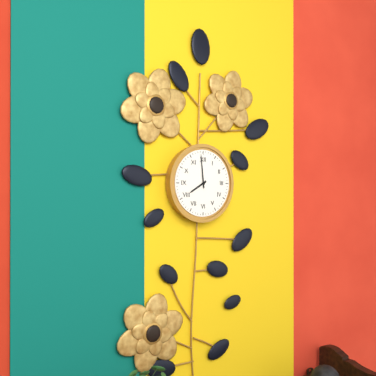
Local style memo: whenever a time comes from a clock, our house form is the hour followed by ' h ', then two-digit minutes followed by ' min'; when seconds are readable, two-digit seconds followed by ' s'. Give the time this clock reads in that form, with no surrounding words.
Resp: 7 h 59 min
